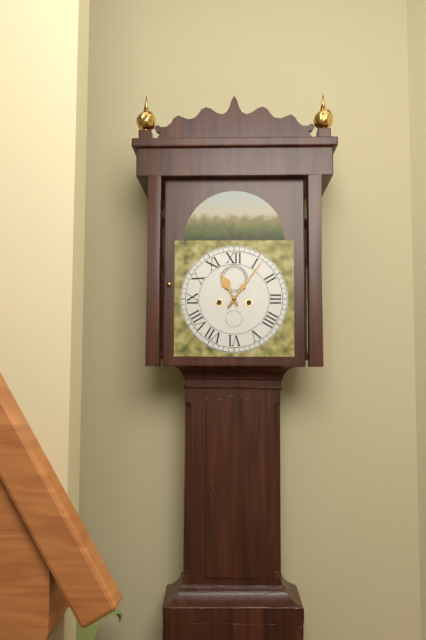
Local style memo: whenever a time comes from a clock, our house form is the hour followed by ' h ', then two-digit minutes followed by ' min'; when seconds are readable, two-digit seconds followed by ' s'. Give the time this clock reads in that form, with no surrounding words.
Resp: 11 h 06 min
